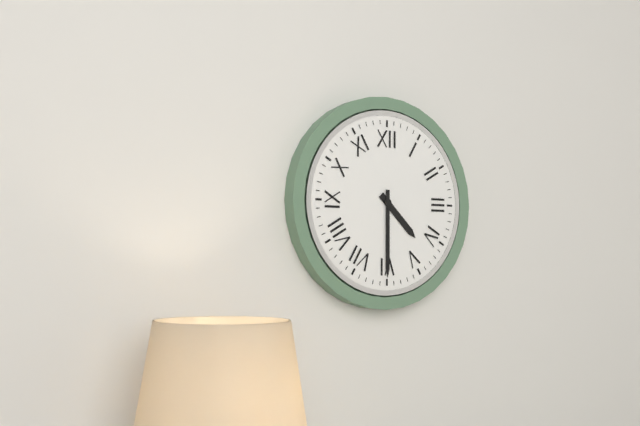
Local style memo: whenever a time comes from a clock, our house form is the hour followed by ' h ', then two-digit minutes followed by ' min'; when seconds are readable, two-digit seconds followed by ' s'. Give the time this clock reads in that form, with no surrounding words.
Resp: 4 h 30 min
